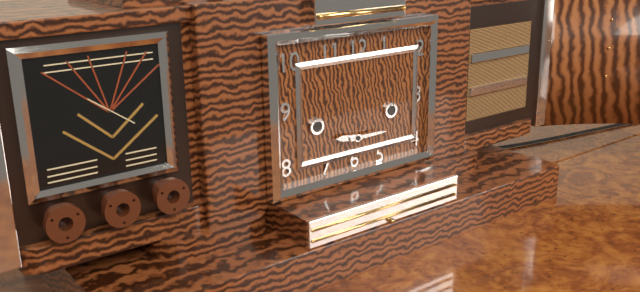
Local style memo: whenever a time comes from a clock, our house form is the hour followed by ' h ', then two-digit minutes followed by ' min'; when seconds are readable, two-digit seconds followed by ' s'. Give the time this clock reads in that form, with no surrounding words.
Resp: 9 h 15 min
